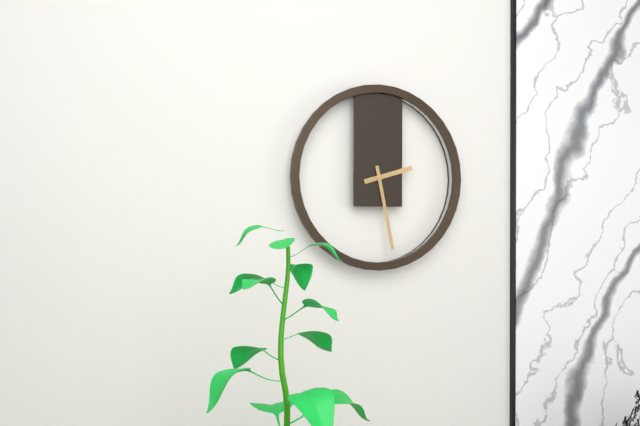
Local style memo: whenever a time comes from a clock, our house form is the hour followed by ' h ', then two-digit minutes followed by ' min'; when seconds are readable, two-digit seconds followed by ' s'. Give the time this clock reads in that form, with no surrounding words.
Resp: 2 h 28 min
